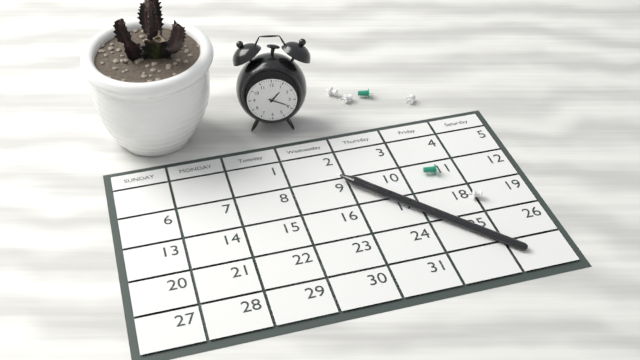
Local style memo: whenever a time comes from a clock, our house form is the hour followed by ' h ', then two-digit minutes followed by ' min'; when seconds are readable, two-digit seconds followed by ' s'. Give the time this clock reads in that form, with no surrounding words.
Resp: 1 h 19 min
